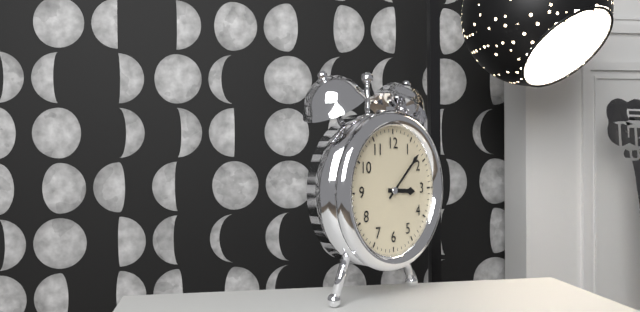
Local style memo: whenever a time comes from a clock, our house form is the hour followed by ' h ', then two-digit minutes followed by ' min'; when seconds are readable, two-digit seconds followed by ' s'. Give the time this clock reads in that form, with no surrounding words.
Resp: 3 h 08 min
